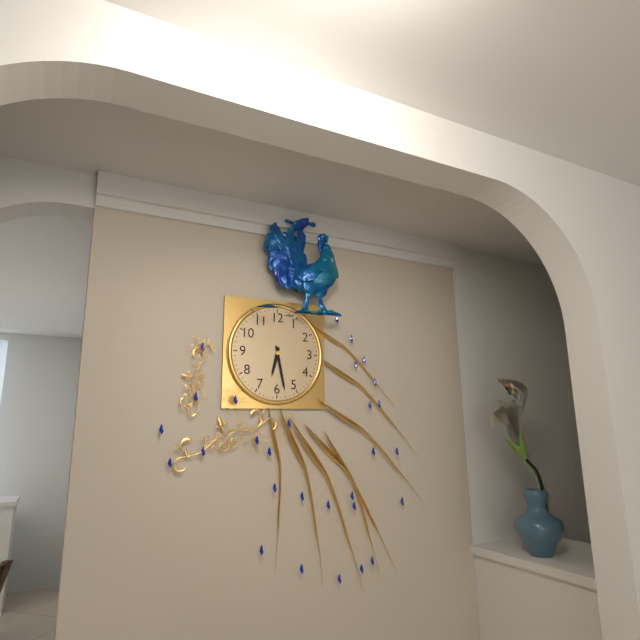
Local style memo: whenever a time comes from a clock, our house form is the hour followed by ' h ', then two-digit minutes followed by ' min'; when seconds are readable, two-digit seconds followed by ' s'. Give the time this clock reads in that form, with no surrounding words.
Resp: 6 h 28 min
